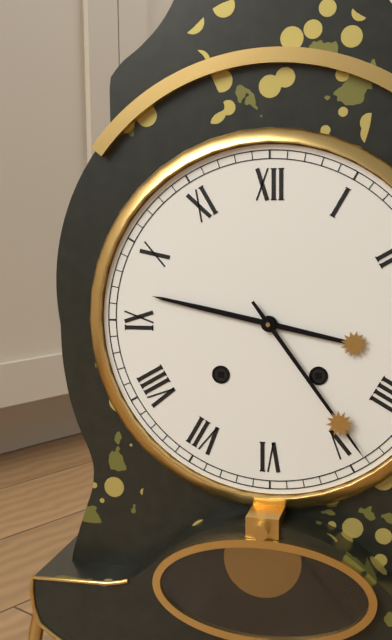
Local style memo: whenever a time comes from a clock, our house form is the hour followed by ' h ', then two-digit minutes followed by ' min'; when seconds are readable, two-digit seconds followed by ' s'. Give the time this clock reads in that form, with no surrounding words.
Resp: 9 h 24 min
